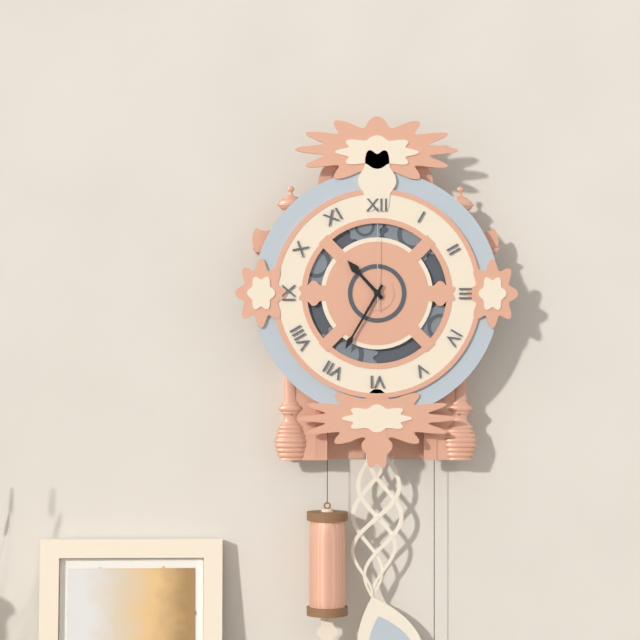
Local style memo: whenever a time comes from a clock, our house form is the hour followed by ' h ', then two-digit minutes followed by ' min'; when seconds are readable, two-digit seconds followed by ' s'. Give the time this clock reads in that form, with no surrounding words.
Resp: 10 h 35 min 00 s
